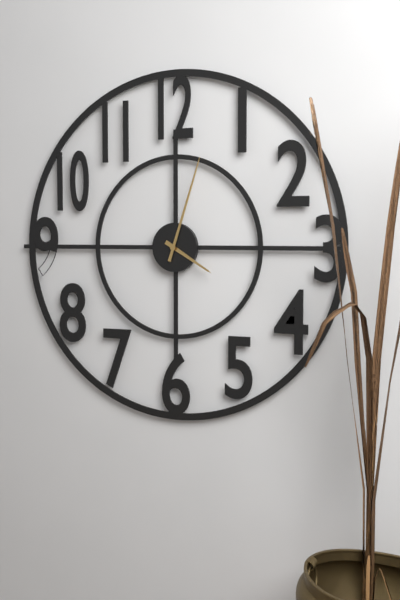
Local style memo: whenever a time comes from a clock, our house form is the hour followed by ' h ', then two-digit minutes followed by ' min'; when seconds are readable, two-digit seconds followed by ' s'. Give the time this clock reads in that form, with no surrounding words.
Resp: 4 h 03 min
